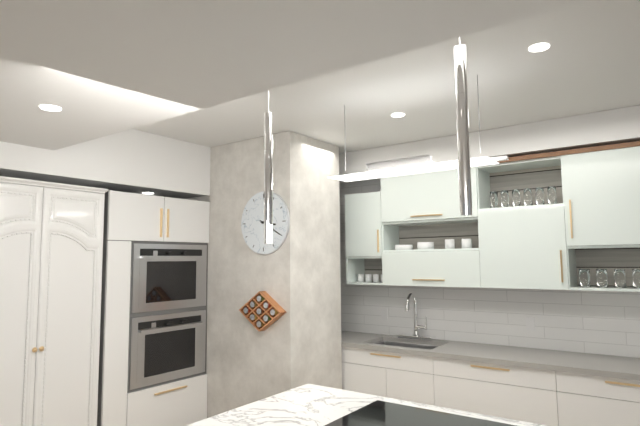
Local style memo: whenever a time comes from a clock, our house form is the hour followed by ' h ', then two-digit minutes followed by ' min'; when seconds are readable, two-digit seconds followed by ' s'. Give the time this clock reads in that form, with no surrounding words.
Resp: 3 h 20 min
